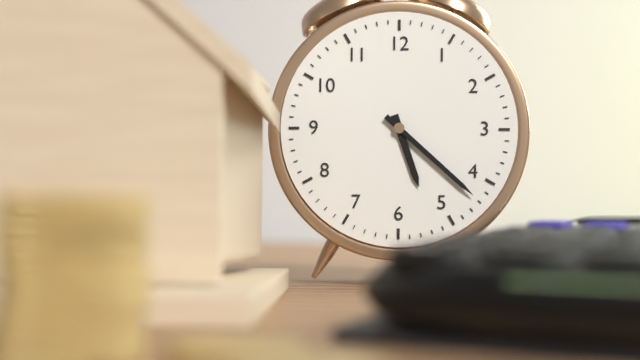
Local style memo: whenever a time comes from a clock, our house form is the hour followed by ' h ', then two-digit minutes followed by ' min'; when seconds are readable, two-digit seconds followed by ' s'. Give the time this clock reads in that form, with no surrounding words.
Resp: 5 h 22 min
